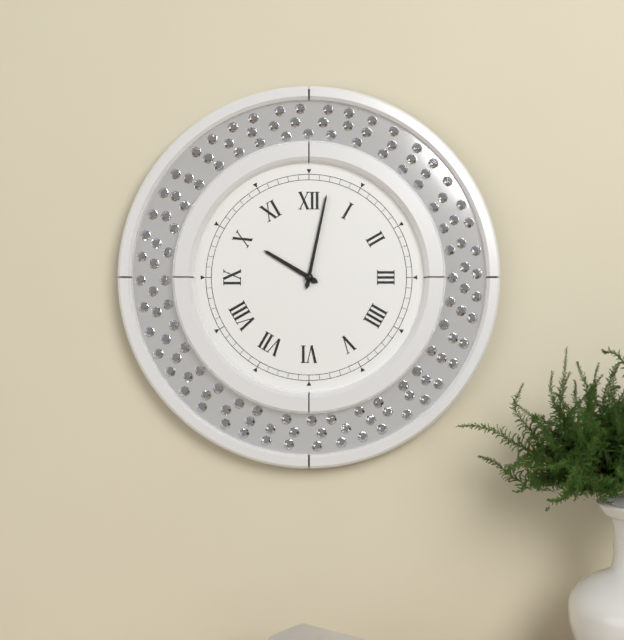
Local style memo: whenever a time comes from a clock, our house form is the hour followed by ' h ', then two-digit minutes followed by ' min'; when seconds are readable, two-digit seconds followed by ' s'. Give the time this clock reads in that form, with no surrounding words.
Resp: 10 h 02 min
